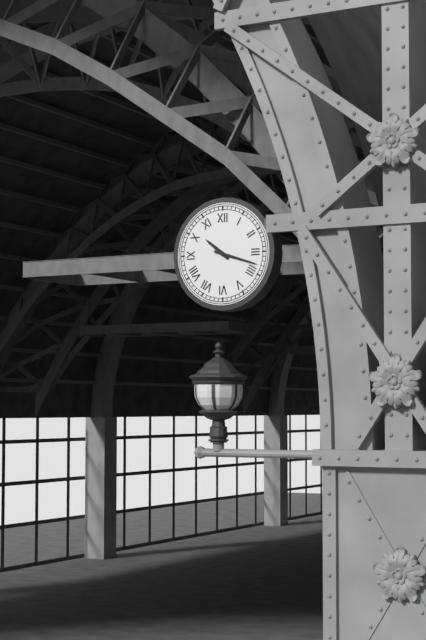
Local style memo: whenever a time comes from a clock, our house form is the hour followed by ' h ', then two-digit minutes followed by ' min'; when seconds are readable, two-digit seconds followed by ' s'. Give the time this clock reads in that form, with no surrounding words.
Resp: 10 h 18 min
